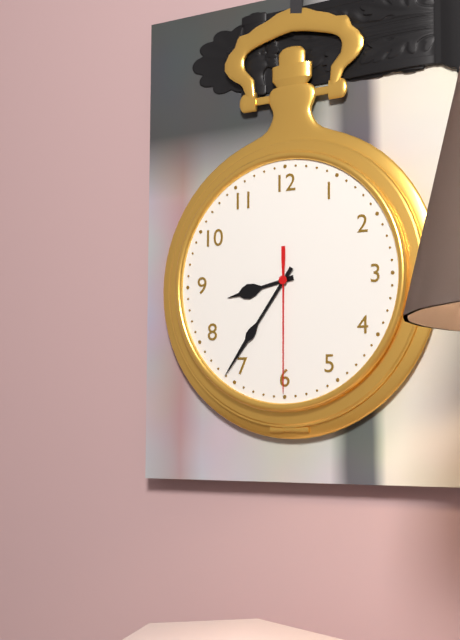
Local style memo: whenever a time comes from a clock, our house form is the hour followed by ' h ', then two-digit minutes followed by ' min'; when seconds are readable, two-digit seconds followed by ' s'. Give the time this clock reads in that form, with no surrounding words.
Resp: 8 h 36 min 30 s
